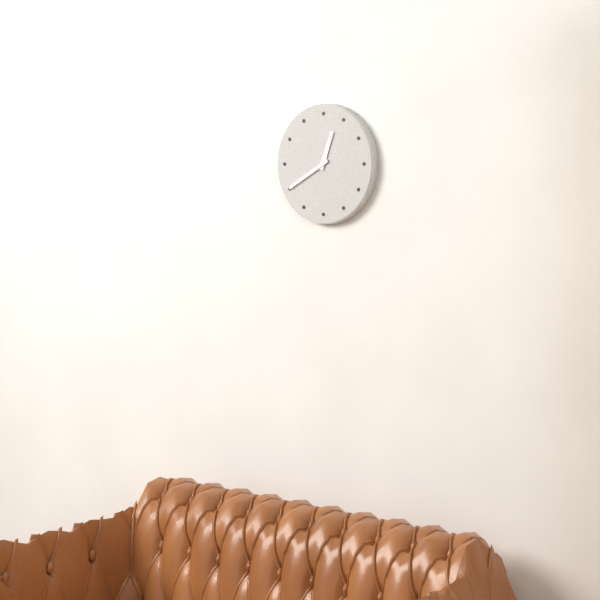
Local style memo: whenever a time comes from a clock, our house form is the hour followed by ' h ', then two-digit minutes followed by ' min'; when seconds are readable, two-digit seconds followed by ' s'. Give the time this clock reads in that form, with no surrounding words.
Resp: 12 h 40 min
